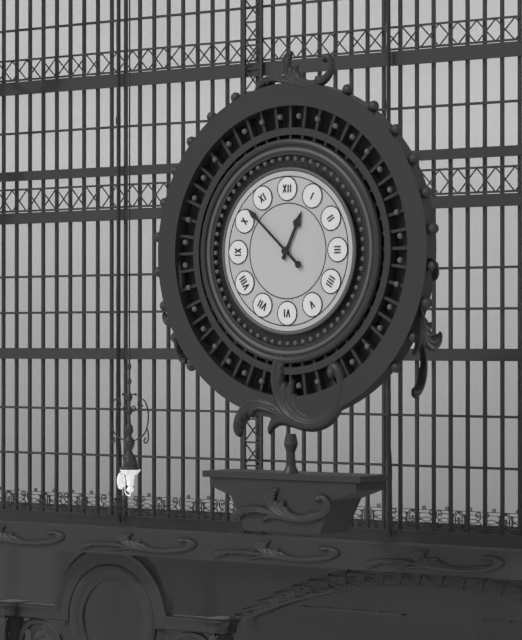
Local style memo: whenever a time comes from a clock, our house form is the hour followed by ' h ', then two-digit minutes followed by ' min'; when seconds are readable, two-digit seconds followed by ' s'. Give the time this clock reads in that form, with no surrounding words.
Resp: 12 h 52 min
